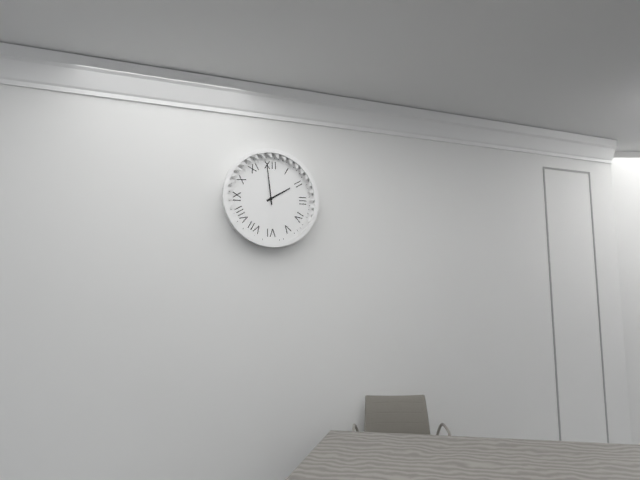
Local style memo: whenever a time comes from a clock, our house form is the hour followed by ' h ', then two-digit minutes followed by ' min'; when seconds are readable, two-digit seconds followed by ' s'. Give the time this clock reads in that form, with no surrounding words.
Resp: 1 h 59 min
